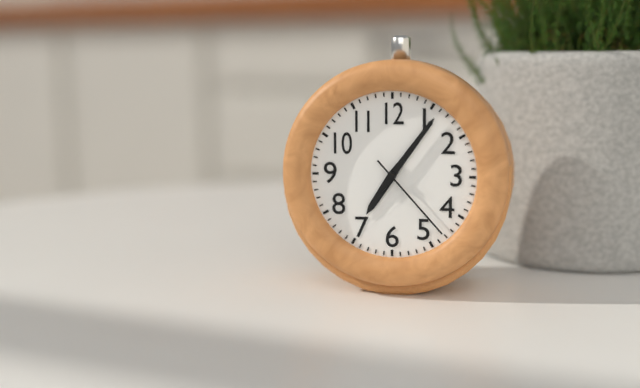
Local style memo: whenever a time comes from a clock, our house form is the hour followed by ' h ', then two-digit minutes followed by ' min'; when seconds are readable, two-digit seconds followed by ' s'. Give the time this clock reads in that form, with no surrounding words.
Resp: 7 h 06 min 23 s
